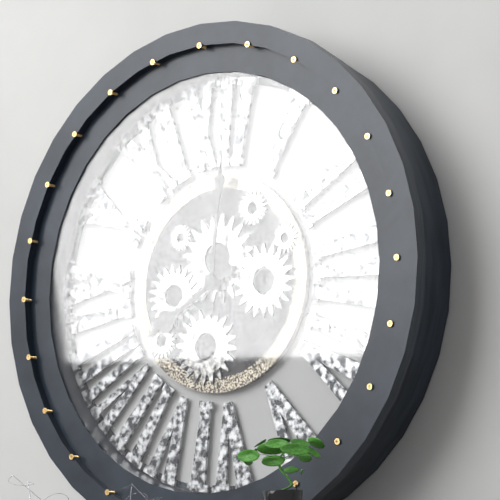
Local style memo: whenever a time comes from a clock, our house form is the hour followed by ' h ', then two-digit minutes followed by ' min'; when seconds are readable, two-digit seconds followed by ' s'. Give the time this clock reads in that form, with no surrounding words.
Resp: 8 h 01 min
